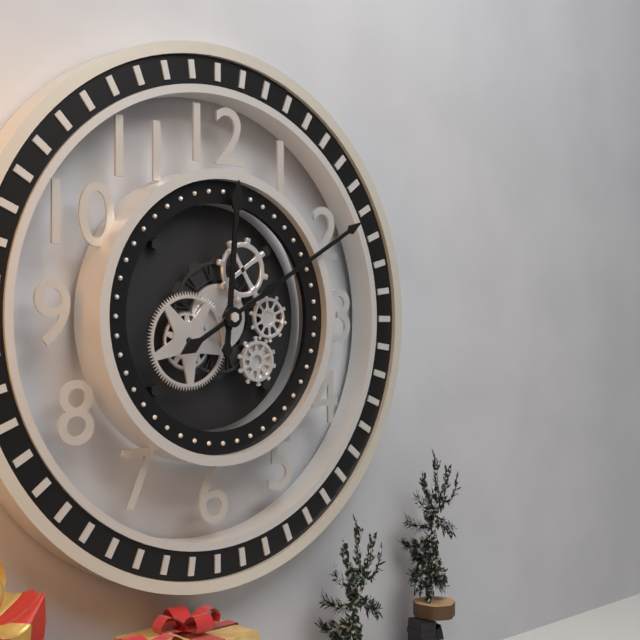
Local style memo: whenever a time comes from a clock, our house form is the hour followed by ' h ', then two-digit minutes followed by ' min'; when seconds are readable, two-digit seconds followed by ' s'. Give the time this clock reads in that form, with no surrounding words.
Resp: 12 h 10 min
